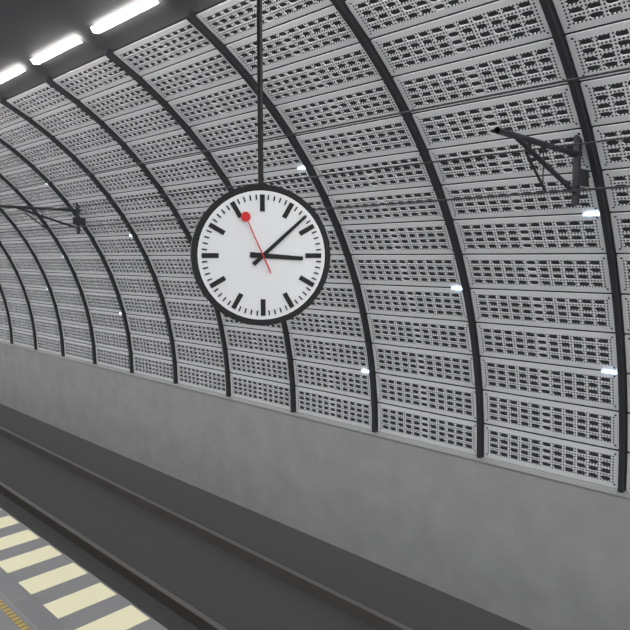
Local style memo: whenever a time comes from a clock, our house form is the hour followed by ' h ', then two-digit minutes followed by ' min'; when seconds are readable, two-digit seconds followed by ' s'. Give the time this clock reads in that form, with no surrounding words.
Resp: 3 h 08 min 56 s
